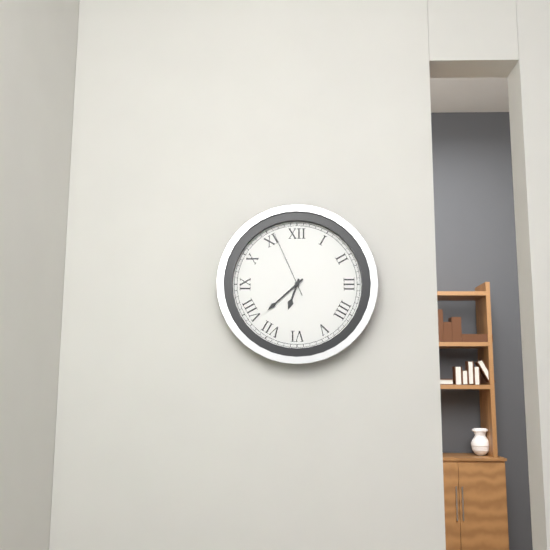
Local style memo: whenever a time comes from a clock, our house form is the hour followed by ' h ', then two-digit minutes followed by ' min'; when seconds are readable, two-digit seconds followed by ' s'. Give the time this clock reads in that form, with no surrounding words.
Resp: 6 h 38 min 56 s
